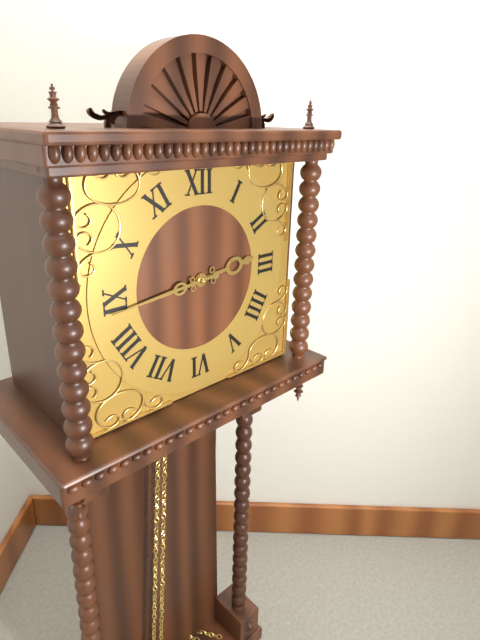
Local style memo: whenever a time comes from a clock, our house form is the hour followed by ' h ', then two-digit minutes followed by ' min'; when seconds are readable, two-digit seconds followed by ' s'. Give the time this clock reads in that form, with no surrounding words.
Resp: 2 h 44 min
